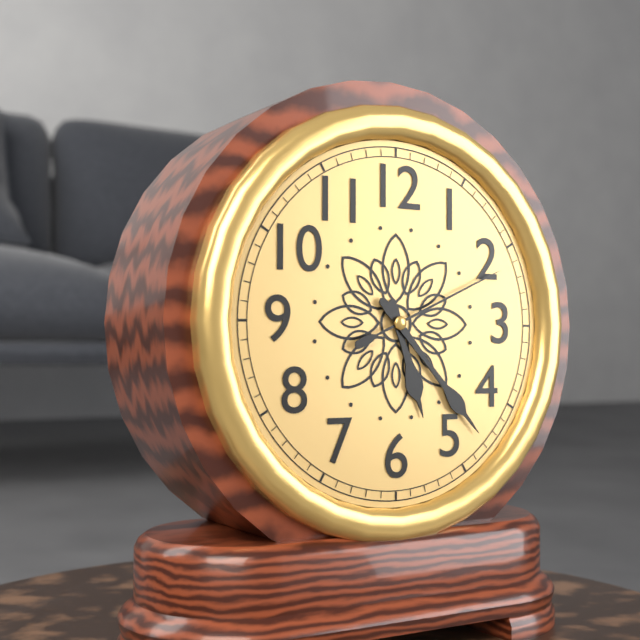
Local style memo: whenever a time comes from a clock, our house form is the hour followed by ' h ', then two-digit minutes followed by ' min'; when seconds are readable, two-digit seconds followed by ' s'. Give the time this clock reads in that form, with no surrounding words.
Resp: 5 h 23 min 11 s
